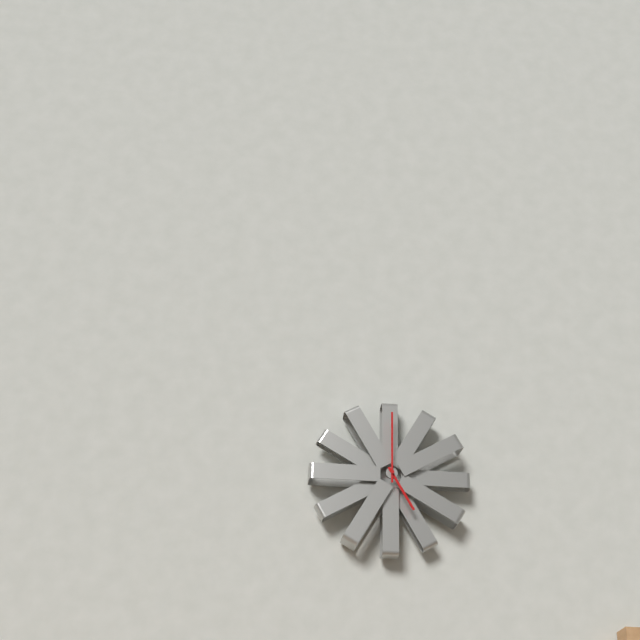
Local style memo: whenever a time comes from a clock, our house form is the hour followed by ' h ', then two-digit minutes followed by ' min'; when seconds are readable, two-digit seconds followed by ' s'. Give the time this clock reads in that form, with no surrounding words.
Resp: 5 h 00 min
